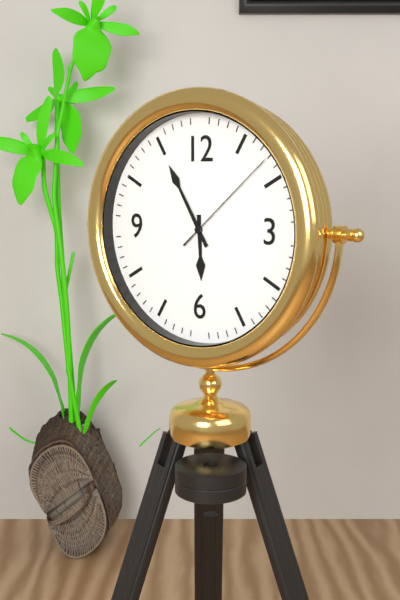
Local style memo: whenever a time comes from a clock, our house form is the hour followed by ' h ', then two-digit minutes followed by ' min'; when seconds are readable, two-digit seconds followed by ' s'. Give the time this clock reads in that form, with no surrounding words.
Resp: 5 h 55 min 08 s
